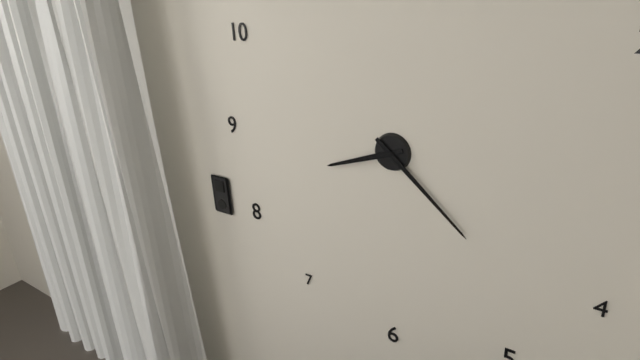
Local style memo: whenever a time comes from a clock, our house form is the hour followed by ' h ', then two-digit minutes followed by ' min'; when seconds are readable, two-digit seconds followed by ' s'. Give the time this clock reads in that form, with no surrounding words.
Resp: 8 h 22 min
